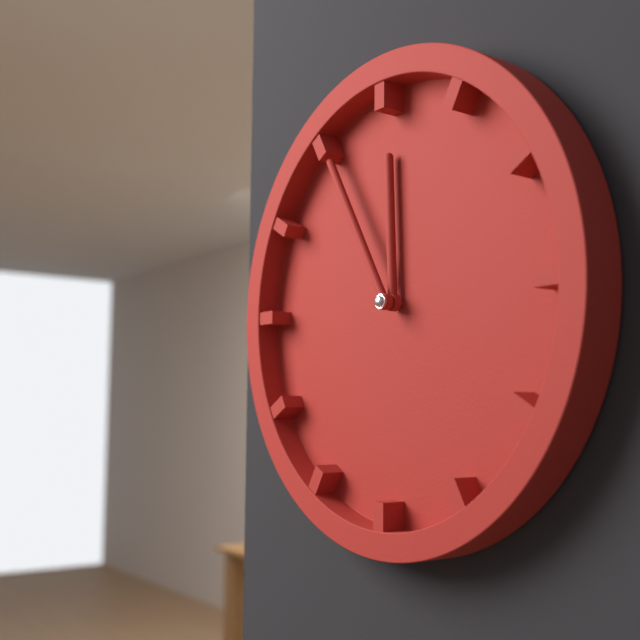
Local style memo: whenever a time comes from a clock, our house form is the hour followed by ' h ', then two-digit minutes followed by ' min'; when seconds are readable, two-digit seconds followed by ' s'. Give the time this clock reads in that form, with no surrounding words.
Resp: 11 h 55 min
